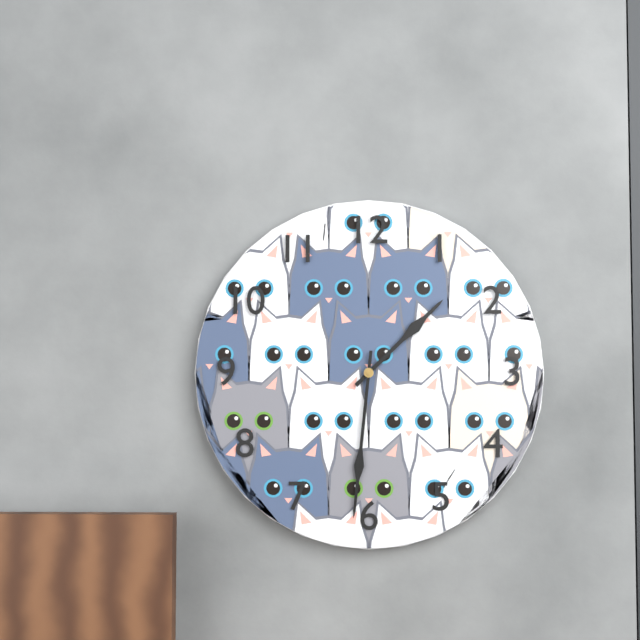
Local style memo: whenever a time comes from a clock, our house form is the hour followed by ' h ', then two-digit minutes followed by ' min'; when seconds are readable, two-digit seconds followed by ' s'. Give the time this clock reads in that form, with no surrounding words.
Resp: 1 h 31 min
